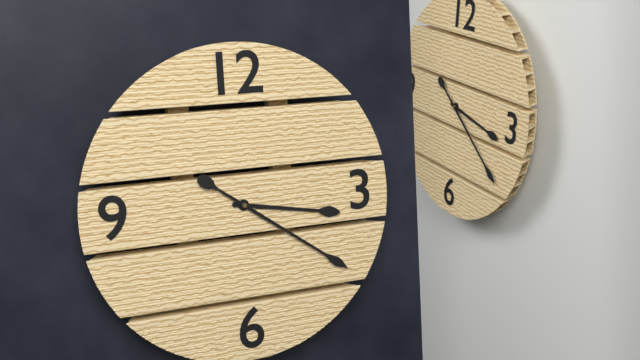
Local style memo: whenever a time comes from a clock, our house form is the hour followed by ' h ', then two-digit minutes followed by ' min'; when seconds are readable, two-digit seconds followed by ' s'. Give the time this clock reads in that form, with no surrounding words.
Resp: 3 h 21 min
